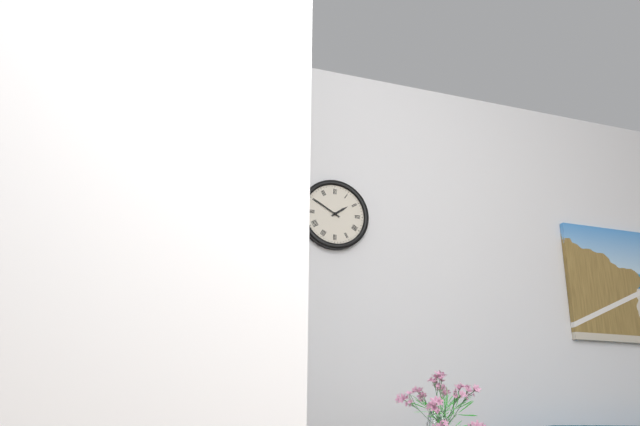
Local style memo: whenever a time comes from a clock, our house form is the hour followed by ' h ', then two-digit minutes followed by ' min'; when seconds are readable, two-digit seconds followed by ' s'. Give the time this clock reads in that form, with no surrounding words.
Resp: 1 h 50 min
